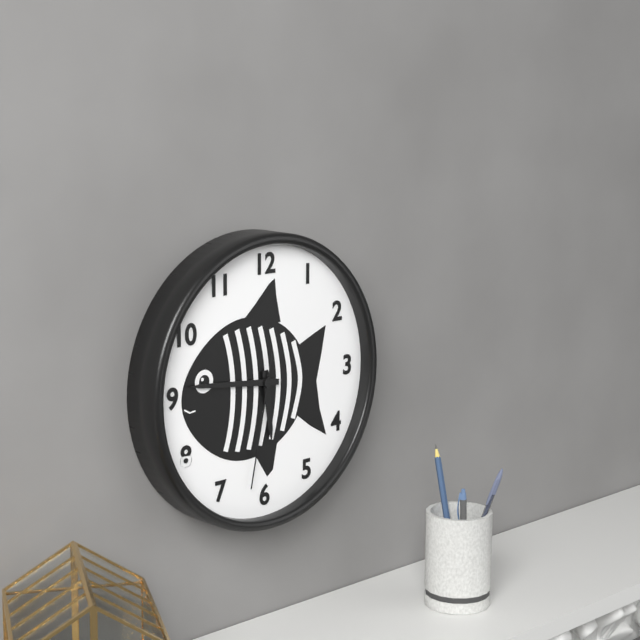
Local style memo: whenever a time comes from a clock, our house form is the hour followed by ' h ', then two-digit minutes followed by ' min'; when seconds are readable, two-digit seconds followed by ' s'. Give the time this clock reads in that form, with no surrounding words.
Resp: 5 h 46 min 32 s
